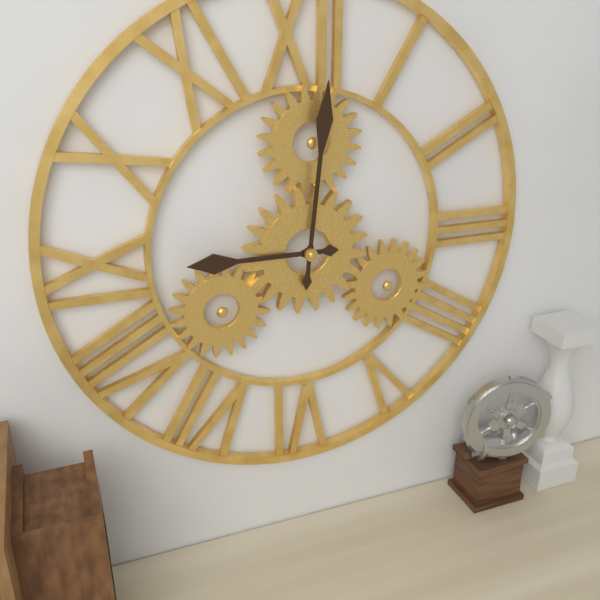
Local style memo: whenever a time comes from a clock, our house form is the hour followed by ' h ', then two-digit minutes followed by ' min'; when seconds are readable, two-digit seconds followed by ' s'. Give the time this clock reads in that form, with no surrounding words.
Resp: 9 h 01 min
